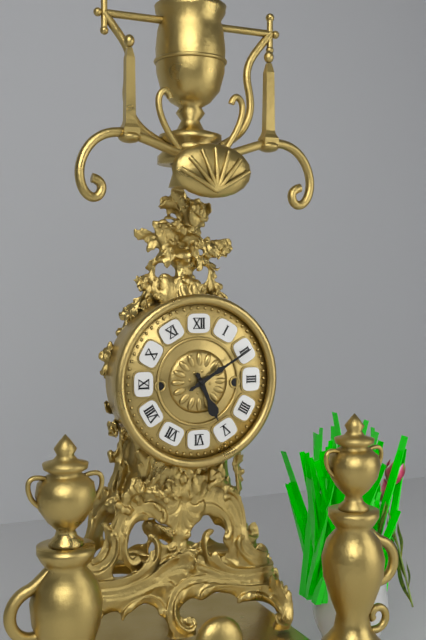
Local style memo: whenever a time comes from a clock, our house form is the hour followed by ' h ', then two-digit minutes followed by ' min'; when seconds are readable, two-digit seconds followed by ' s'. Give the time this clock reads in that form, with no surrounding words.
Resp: 5 h 10 min
